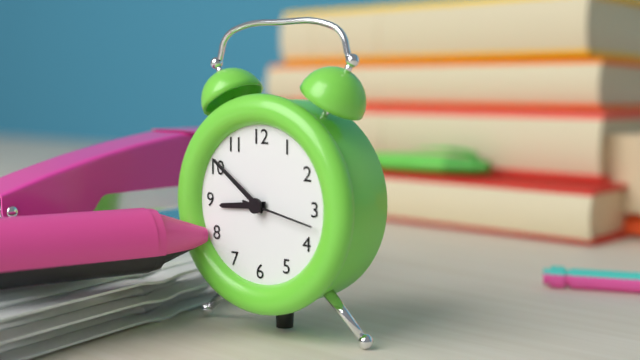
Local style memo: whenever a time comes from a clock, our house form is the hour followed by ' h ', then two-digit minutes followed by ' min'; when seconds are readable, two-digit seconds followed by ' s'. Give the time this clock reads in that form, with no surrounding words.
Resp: 8 h 51 min 17 s
